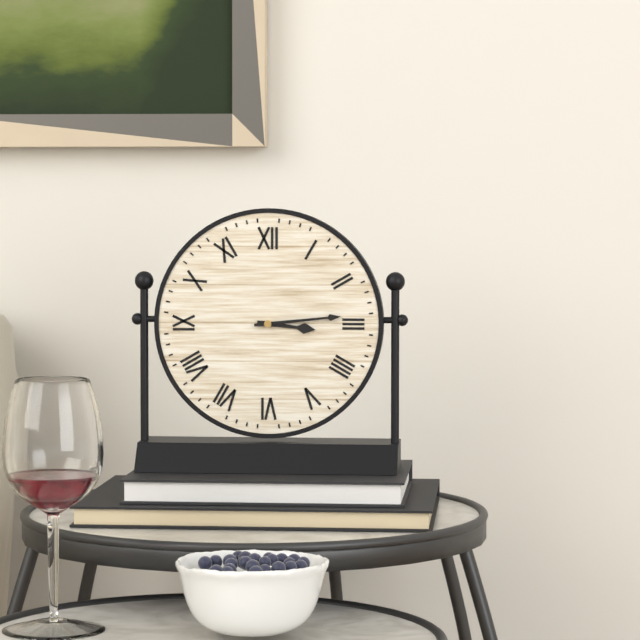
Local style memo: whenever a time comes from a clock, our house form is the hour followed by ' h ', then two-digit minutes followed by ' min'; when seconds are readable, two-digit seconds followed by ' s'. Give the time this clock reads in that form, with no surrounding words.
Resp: 3 h 14 min
